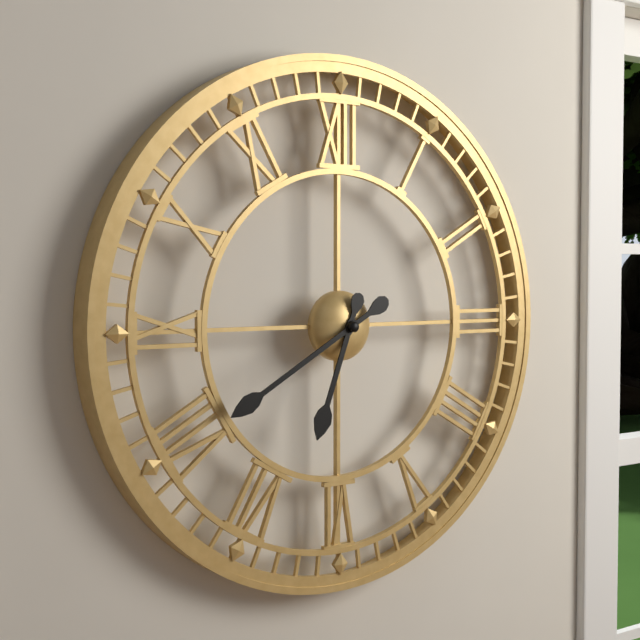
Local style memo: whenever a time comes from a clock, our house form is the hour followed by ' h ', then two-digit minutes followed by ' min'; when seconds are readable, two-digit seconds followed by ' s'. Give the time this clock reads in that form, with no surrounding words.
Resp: 6 h 40 min
